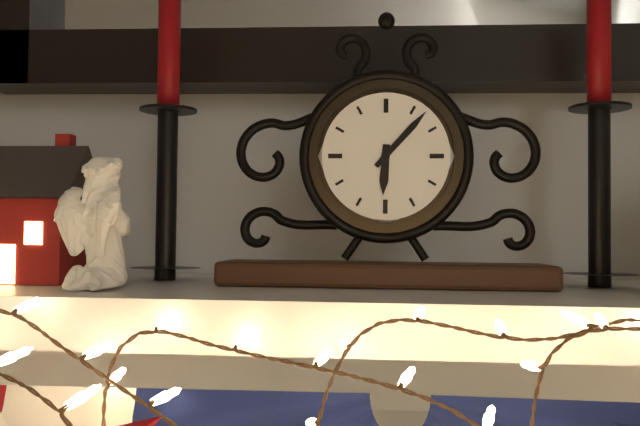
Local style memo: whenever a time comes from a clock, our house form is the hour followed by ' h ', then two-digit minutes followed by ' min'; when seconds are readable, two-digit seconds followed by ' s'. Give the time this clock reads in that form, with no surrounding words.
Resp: 6 h 07 min
